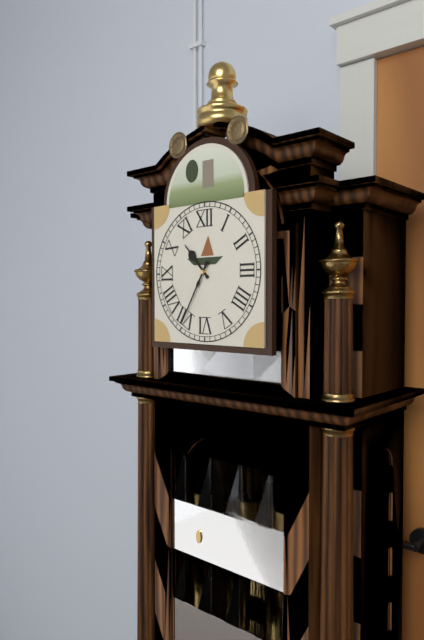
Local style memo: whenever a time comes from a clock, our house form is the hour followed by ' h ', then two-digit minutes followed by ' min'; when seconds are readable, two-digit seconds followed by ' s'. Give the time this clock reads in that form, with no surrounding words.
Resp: 10 h 35 min
